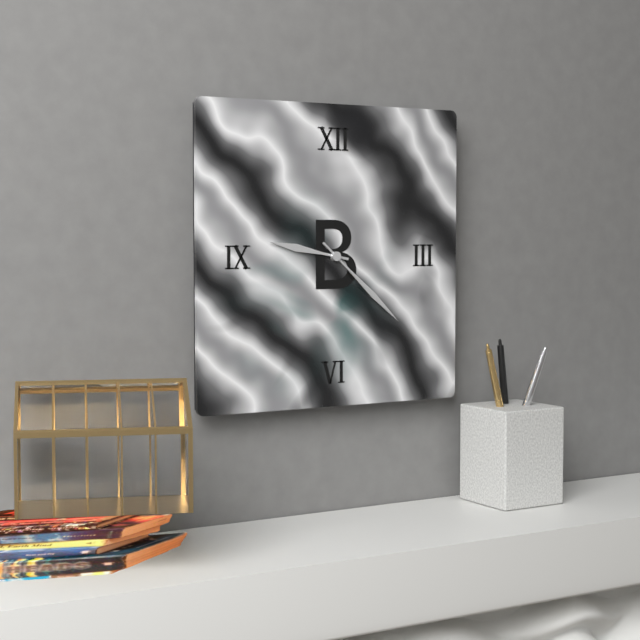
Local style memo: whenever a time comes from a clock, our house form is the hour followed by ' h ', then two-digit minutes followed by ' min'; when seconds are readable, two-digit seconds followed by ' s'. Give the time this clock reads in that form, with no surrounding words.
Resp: 9 h 22 min
